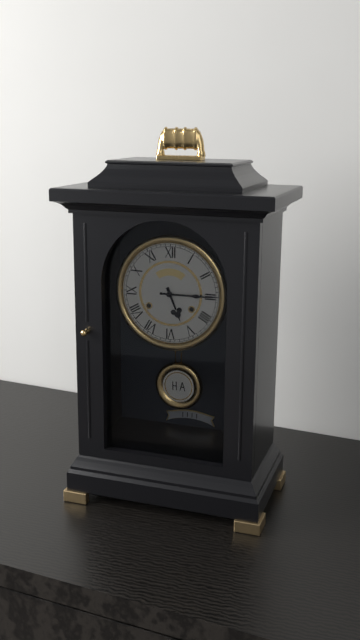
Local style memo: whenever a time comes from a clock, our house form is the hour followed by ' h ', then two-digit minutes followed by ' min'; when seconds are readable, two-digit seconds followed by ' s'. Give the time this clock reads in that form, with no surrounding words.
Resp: 5 h 15 min
